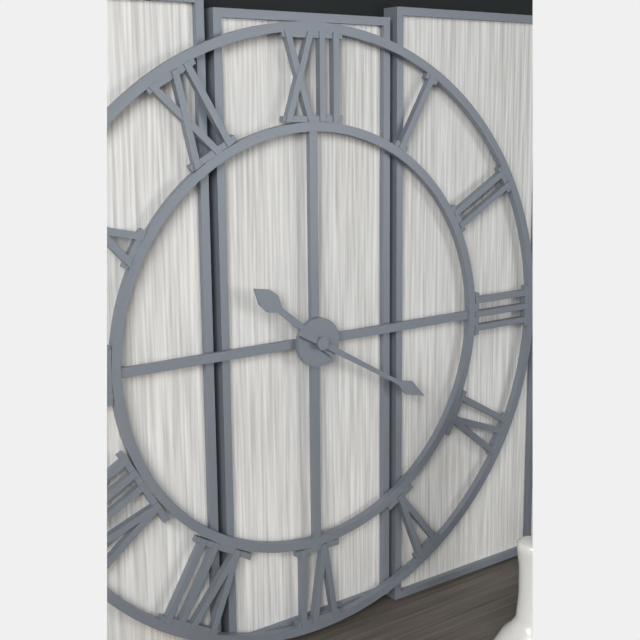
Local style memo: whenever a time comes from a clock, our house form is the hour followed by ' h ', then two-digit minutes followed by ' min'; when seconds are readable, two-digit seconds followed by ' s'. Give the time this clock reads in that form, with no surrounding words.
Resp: 10 h 20 min
